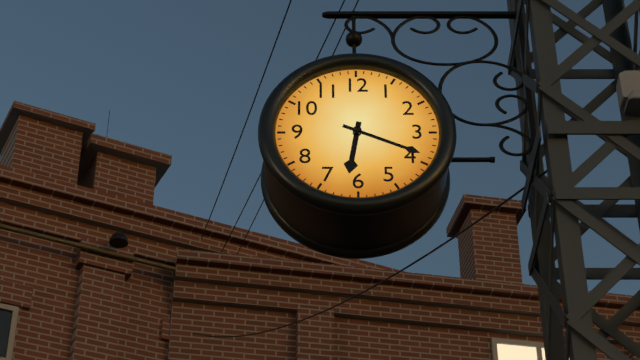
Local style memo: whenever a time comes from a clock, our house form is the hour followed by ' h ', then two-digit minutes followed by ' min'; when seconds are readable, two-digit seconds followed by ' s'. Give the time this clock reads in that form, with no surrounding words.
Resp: 6 h 19 min
